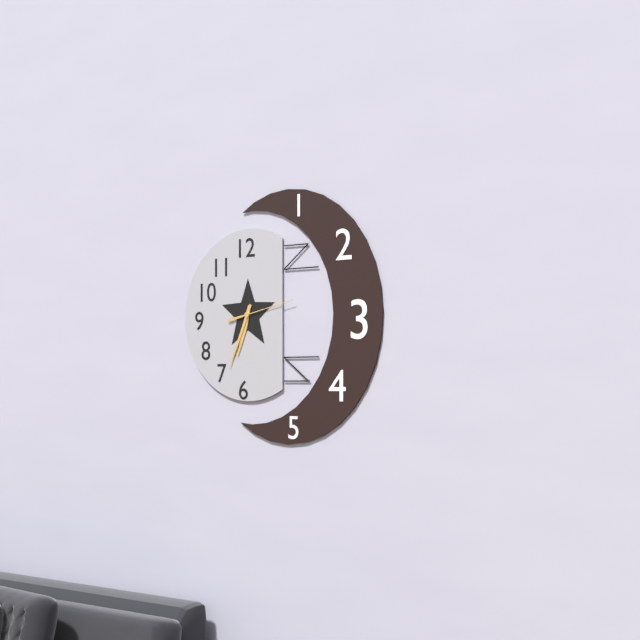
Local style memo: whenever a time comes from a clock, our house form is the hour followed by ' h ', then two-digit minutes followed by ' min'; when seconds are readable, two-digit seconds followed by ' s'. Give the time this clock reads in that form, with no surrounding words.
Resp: 6 h 34 min 13 s
